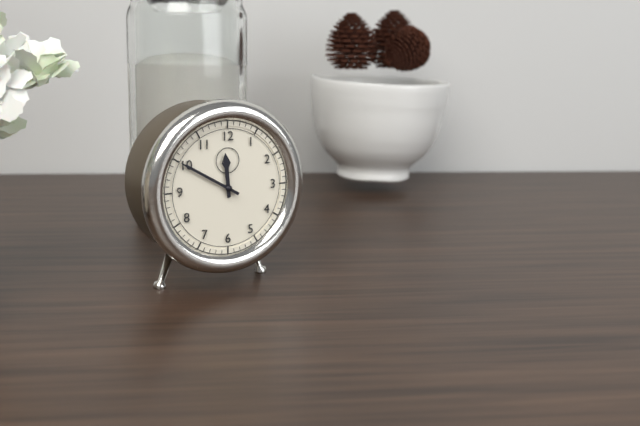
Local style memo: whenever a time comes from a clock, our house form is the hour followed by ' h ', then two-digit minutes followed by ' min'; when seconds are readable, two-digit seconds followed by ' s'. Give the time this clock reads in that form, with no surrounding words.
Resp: 11 h 50 min
